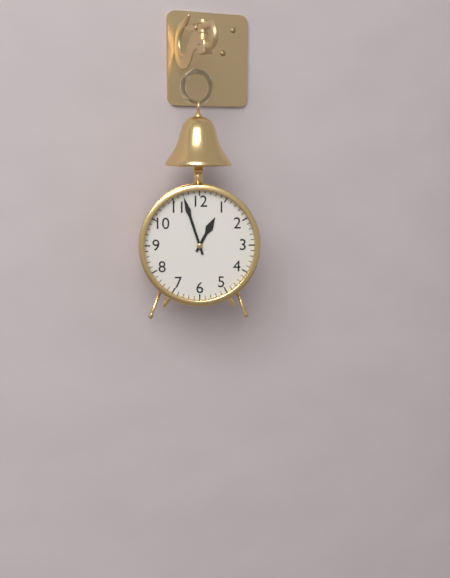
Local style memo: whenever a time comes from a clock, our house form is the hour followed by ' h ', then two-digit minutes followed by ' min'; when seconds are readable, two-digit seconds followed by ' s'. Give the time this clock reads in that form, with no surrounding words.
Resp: 12 h 57 min
